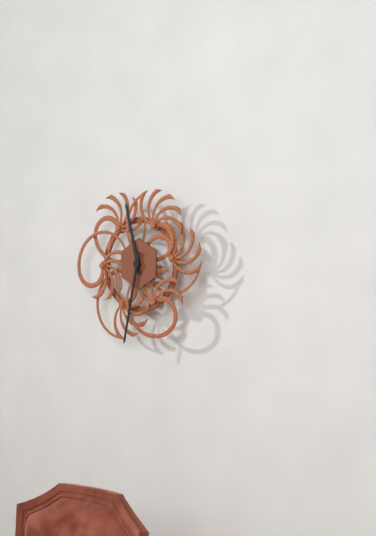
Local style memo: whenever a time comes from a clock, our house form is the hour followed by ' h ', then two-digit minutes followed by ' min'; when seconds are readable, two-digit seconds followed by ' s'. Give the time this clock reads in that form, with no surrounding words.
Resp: 11 h 32 min
